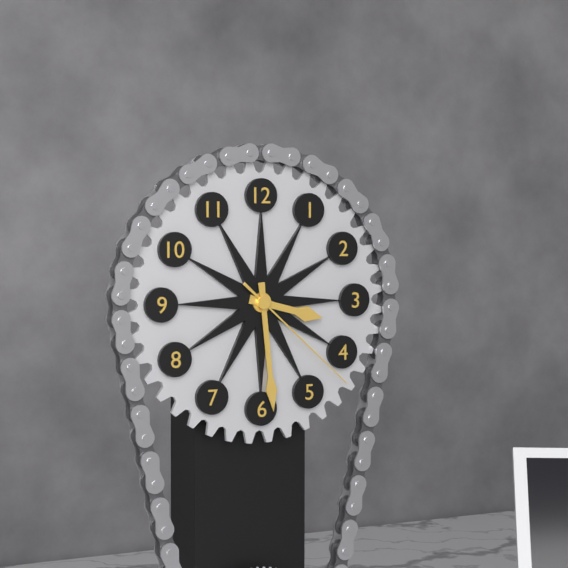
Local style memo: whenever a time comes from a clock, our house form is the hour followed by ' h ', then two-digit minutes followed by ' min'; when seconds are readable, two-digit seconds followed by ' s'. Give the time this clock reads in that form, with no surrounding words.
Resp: 3 h 29 min 22 s
